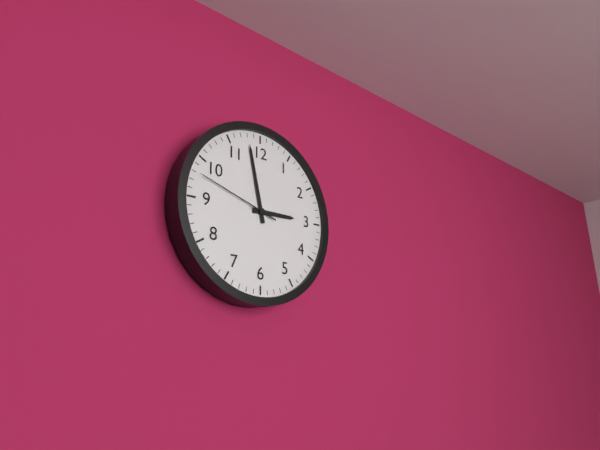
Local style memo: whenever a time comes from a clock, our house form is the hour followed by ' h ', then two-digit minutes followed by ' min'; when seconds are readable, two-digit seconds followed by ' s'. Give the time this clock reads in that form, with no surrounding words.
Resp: 2 h 58 min 48 s
